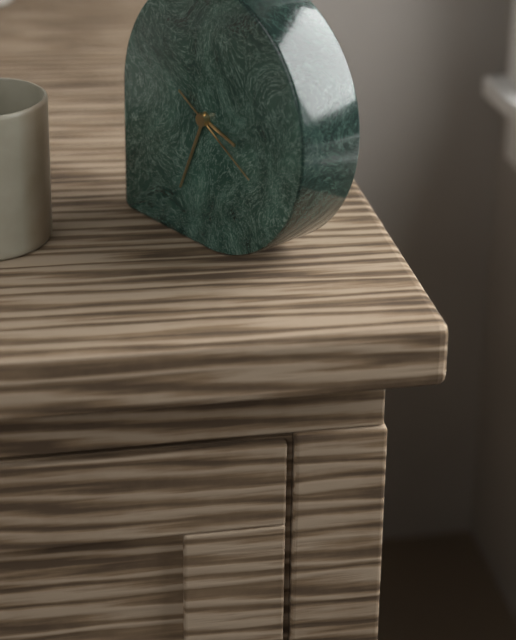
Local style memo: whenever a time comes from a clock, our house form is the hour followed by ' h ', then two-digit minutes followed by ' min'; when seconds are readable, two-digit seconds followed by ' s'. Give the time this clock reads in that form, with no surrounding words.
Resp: 3 h 34 min 20 s
